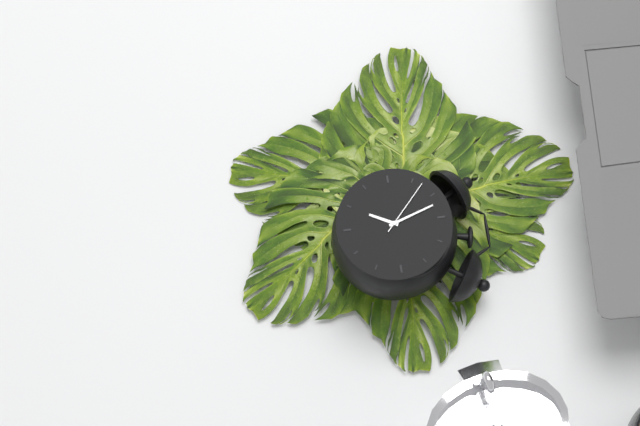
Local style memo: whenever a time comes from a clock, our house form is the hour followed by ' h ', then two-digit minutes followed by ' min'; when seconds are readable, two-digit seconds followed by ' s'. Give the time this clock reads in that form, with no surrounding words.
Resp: 6 h 57 min 52 s
